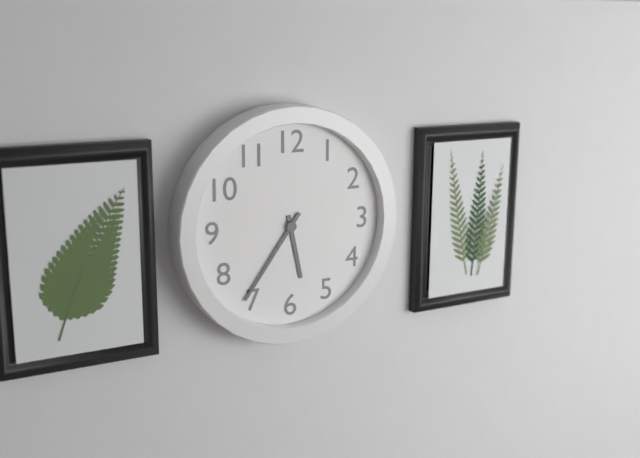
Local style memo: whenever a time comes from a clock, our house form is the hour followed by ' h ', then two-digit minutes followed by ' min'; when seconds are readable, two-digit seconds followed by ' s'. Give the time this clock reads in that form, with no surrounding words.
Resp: 5 h 36 min
